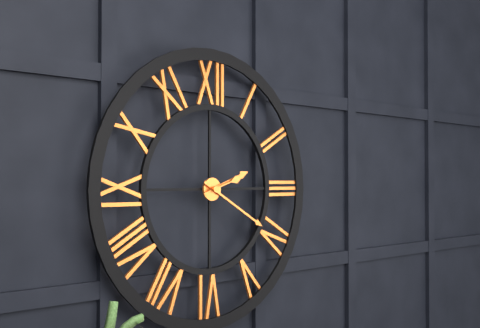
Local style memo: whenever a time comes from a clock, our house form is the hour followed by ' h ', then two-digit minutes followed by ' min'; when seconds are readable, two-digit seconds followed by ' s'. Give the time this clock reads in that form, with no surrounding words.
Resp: 2 h 20 min
